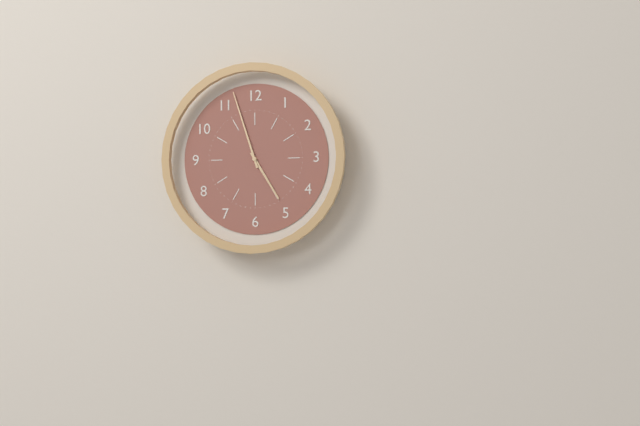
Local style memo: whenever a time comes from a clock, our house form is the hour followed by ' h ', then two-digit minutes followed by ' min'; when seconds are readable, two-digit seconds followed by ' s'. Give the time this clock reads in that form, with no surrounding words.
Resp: 4 h 57 min
